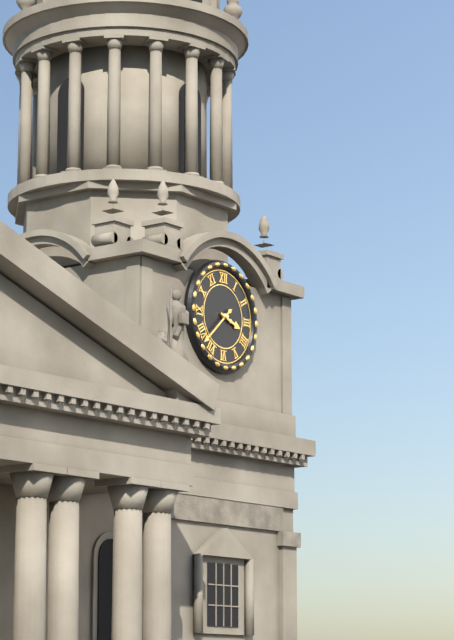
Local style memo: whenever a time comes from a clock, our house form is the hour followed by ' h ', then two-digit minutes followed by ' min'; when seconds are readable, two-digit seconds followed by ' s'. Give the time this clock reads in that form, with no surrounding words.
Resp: 3 h 38 min
